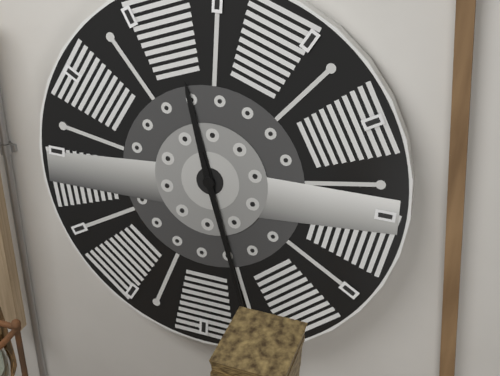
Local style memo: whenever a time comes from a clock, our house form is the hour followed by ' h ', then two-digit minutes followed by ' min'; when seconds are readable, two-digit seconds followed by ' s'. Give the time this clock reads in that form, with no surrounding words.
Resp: 11 h 27 min
